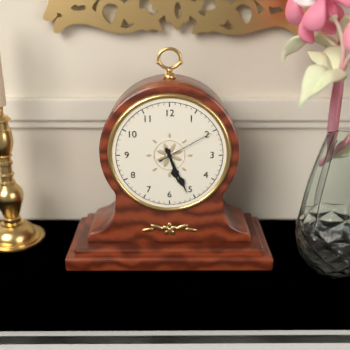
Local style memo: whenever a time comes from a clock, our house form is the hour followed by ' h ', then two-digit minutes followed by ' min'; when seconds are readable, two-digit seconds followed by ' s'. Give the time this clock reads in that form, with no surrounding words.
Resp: 5 h 26 min 10 s
